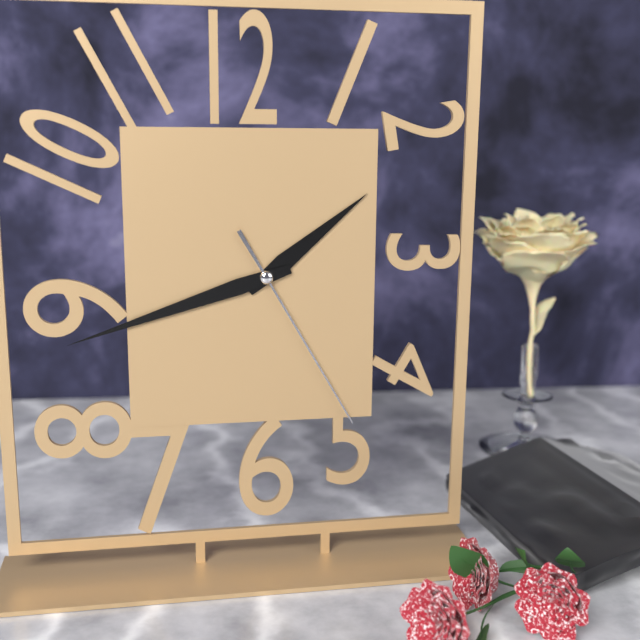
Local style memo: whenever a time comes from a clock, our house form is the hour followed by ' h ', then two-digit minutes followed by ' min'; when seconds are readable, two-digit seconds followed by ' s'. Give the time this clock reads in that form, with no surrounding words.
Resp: 1 h 42 min 25 s
